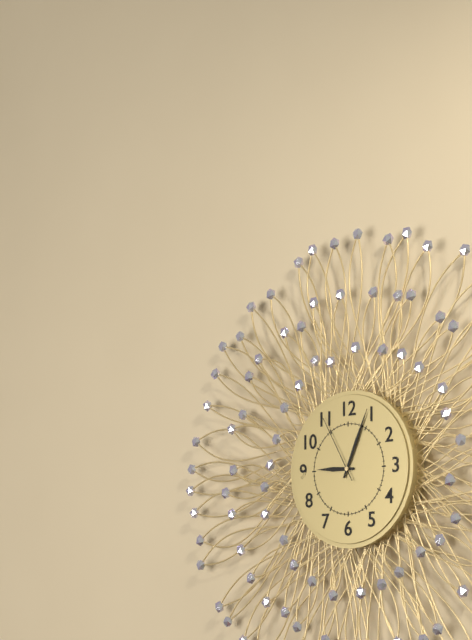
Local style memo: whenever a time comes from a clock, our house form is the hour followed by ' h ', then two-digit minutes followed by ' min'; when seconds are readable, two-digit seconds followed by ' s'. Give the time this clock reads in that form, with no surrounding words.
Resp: 9 h 04 min 55 s
